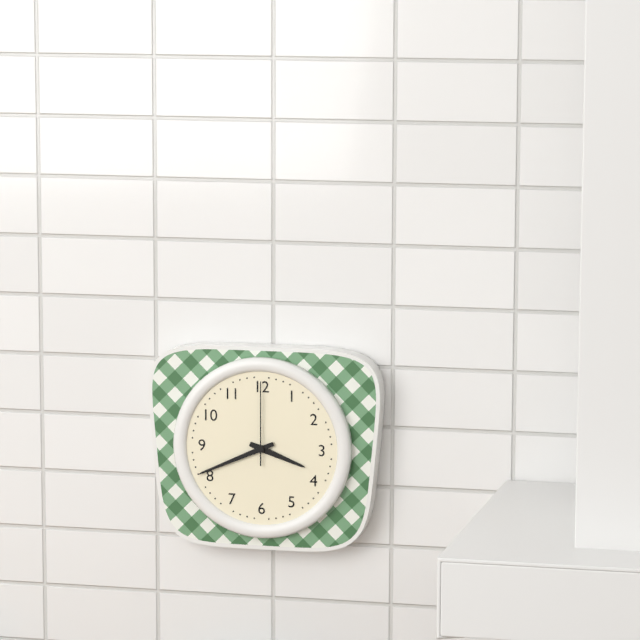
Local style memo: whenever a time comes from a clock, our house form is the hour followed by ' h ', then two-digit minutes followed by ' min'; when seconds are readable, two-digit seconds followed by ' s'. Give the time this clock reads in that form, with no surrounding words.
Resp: 3 h 41 min 00 s
